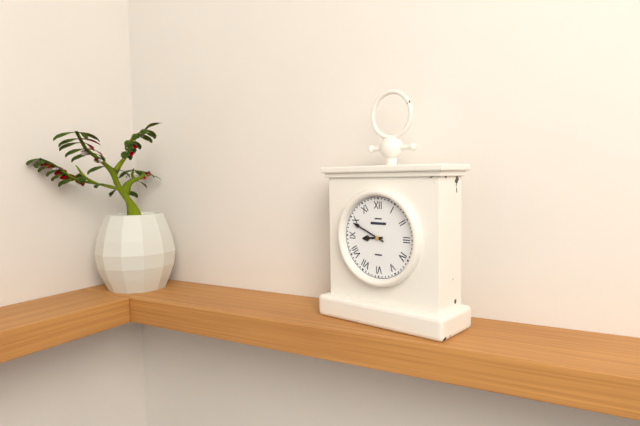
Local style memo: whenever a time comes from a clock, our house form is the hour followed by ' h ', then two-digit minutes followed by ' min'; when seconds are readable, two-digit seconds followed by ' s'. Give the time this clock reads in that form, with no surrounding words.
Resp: 8 h 49 min
